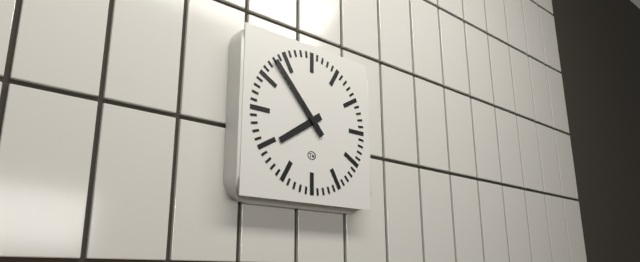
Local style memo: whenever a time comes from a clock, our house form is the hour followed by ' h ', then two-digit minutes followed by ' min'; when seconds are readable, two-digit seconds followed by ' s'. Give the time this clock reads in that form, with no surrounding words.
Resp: 7 h 53 min
